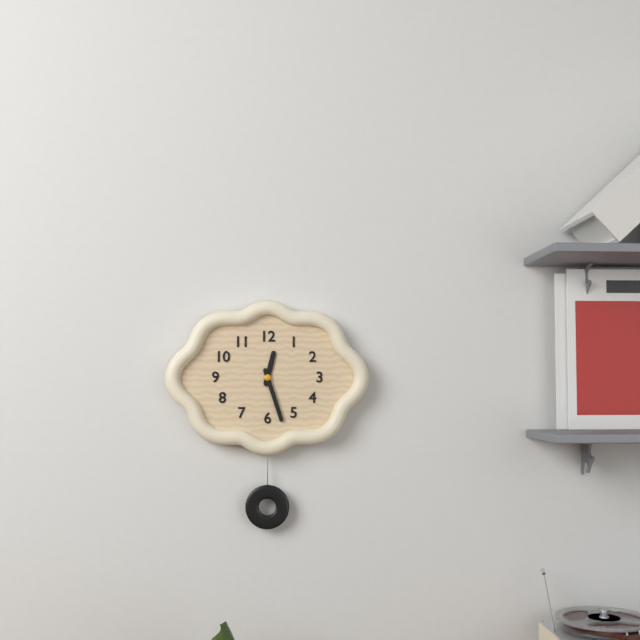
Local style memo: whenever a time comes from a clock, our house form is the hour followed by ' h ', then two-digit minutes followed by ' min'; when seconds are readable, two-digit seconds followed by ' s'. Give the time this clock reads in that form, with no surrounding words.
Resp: 12 h 27 min
